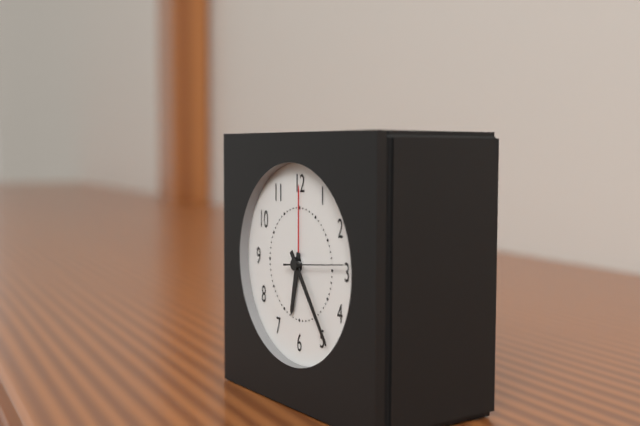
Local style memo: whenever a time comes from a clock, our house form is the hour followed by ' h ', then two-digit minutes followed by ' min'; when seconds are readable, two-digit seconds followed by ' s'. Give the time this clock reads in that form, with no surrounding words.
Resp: 6 h 24 min 14 s
